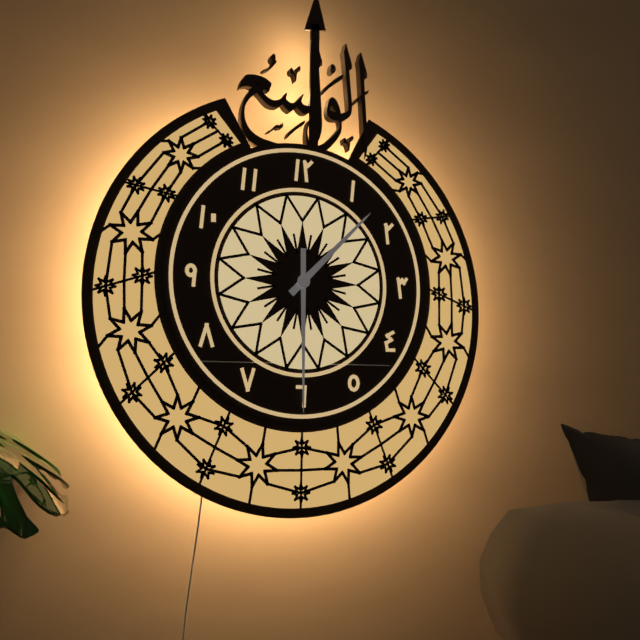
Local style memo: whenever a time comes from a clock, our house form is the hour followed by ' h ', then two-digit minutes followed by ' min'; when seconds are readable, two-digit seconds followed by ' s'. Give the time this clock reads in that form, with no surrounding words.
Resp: 1 h 30 min
